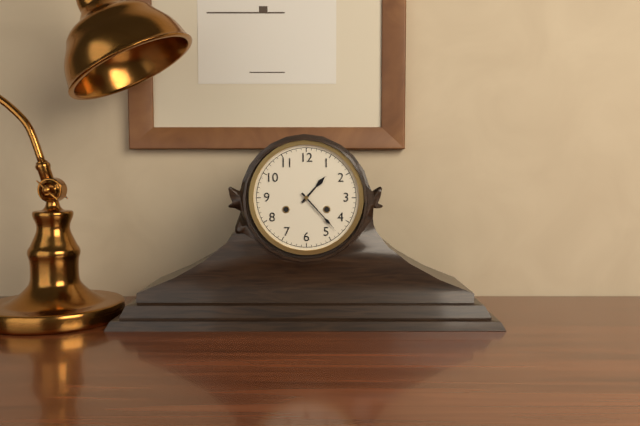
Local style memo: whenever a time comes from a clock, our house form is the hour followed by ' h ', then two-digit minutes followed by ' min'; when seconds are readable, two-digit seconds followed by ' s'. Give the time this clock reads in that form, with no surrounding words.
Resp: 1 h 23 min
